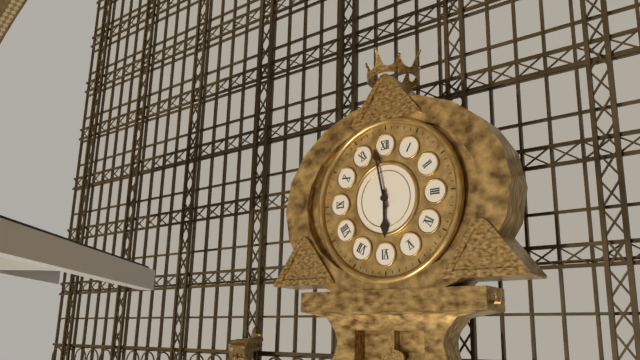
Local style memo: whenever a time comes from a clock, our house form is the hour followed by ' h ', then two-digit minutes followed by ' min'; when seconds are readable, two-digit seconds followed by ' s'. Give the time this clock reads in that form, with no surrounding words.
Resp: 5 h 58 min
